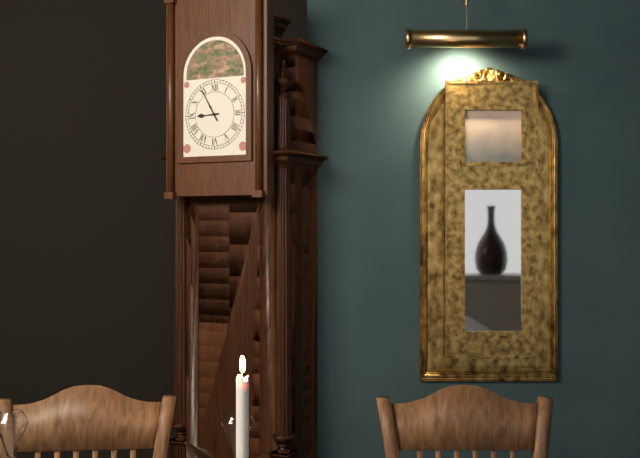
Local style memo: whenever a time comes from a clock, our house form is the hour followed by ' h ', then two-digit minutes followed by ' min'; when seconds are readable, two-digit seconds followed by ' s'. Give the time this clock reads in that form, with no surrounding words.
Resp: 8 h 55 min
